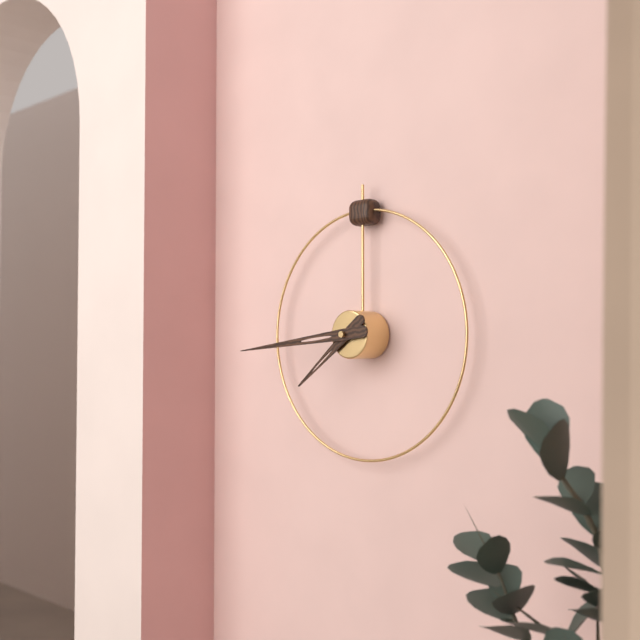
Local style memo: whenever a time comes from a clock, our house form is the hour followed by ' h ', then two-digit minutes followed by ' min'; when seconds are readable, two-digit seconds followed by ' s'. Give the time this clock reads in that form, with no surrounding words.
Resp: 7 h 44 min
